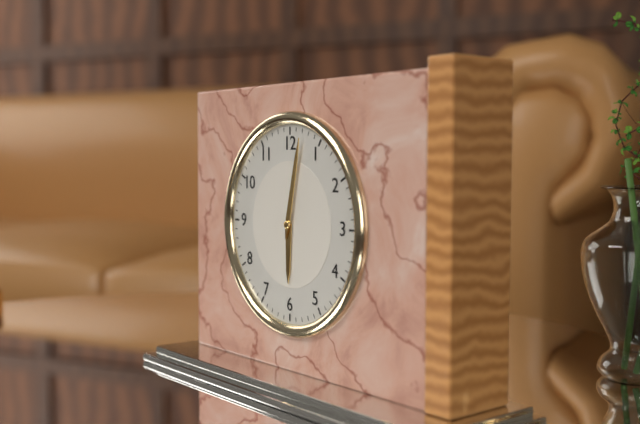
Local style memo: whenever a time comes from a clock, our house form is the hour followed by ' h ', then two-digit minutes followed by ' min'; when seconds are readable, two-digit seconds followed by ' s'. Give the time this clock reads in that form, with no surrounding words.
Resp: 6 h 02 min
